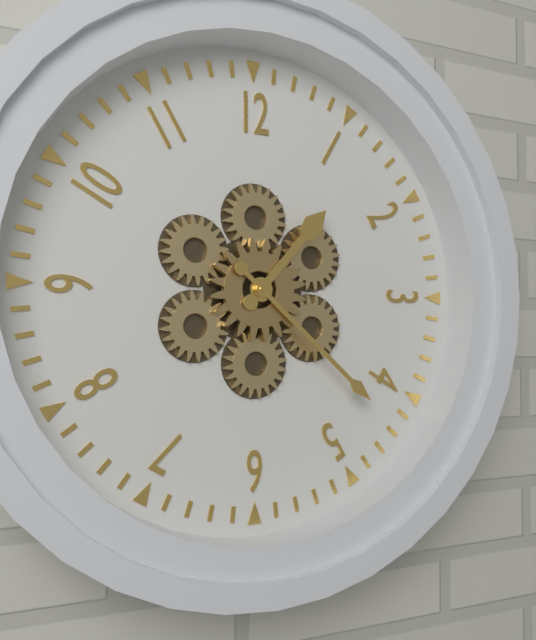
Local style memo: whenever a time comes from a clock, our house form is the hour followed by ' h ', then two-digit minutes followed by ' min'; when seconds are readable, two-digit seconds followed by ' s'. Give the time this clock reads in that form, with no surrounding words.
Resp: 1 h 22 min
